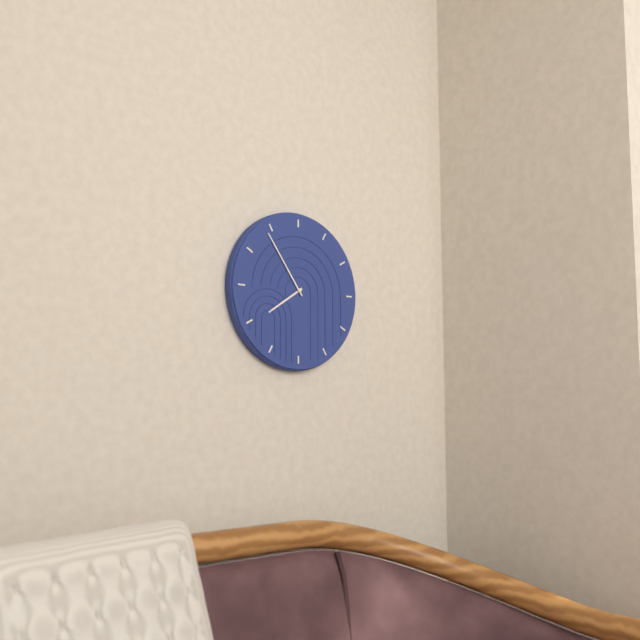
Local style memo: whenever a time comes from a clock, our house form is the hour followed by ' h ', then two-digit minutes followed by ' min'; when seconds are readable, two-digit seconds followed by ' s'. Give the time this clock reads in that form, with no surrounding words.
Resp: 7 h 54 min
